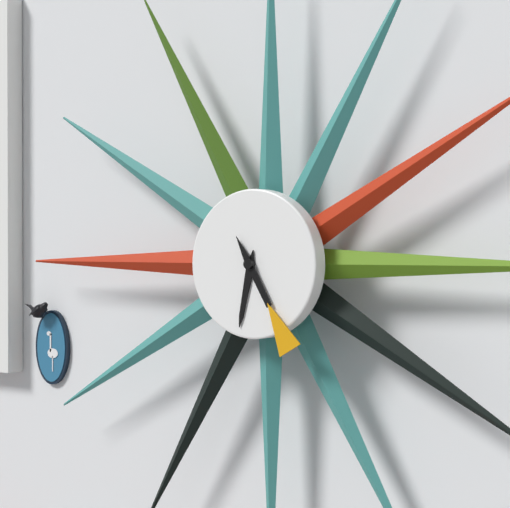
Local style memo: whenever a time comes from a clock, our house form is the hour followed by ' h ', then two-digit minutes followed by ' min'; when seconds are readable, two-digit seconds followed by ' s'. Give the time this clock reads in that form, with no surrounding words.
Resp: 6 h 25 min
